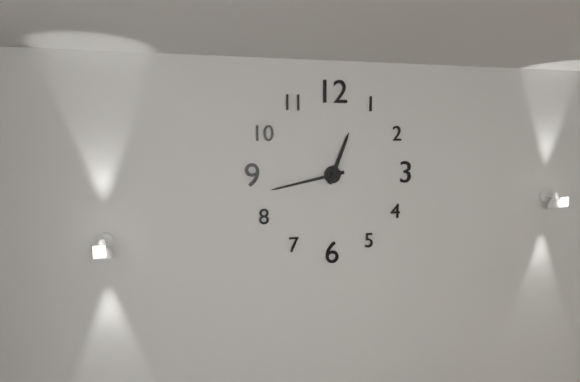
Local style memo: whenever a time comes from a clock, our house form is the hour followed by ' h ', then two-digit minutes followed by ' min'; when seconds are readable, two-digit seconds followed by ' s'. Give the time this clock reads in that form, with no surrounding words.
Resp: 12 h 43 min
